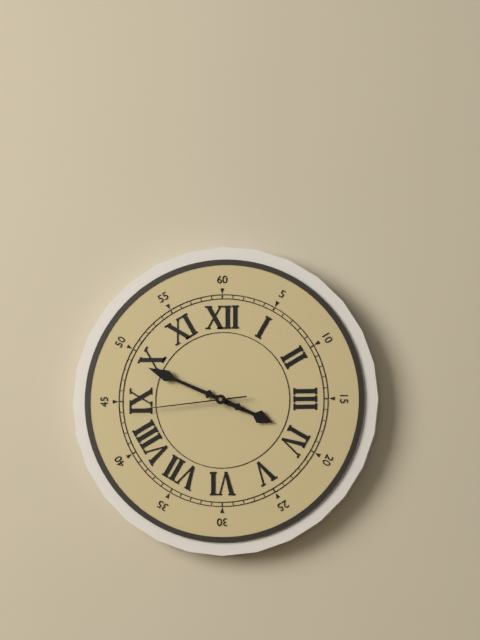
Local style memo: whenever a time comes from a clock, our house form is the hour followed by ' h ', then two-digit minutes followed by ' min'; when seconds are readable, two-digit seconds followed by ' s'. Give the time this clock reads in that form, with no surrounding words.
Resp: 3 h 49 min 44 s
